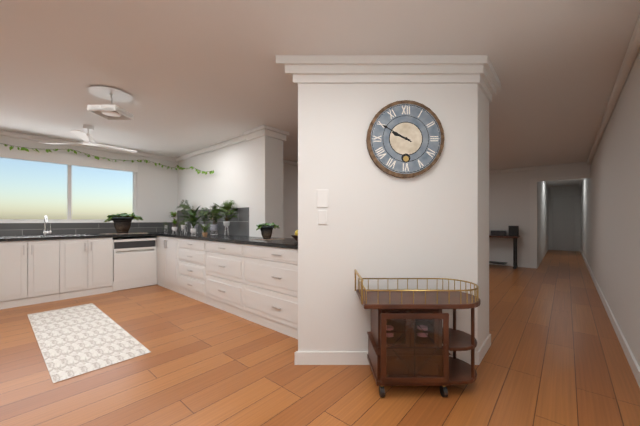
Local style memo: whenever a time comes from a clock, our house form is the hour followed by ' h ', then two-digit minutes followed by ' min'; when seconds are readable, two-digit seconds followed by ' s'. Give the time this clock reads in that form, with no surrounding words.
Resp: 9 h 50 min
